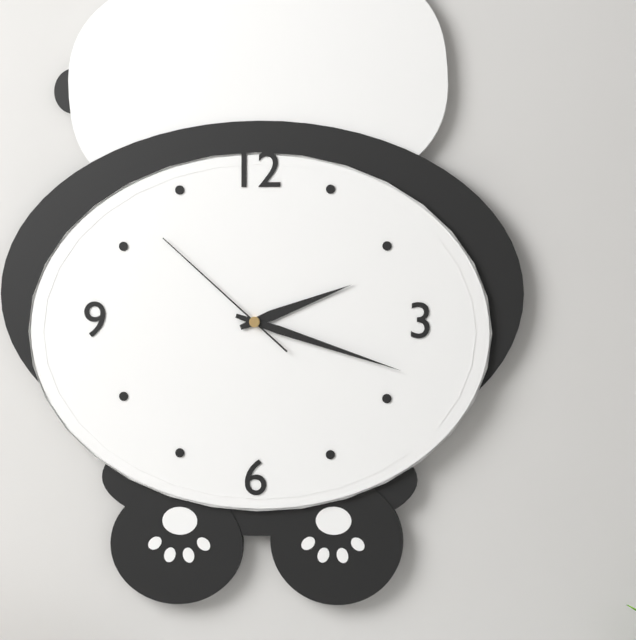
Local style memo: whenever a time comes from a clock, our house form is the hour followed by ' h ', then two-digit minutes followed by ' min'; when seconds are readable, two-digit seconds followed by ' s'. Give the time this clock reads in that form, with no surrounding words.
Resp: 2 h 18 min 52 s
